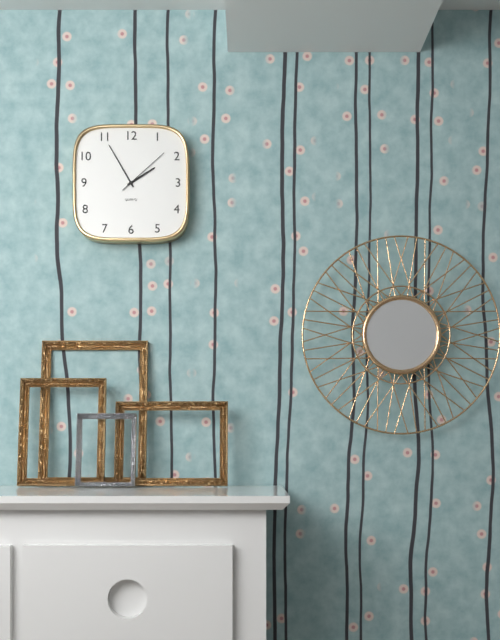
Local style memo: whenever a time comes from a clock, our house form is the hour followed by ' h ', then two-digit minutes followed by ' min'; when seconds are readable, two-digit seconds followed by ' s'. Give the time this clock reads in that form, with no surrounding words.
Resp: 1 h 55 min 08 s
